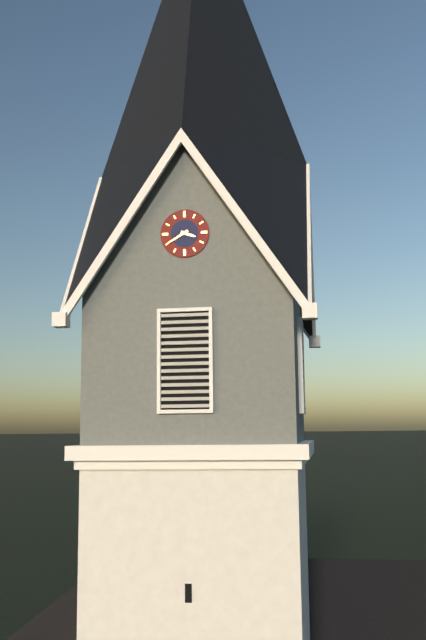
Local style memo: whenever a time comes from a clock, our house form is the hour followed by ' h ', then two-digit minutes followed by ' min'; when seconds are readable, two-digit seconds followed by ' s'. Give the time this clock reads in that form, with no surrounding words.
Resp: 3 h 40 min
